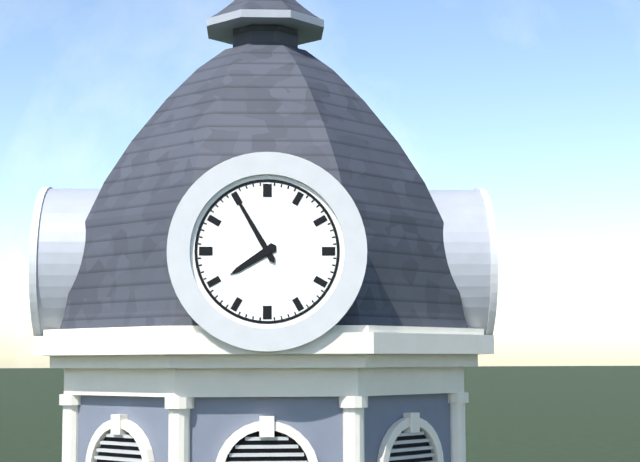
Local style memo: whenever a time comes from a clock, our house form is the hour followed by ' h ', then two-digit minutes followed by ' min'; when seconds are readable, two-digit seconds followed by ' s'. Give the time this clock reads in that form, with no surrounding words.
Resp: 7 h 55 min
